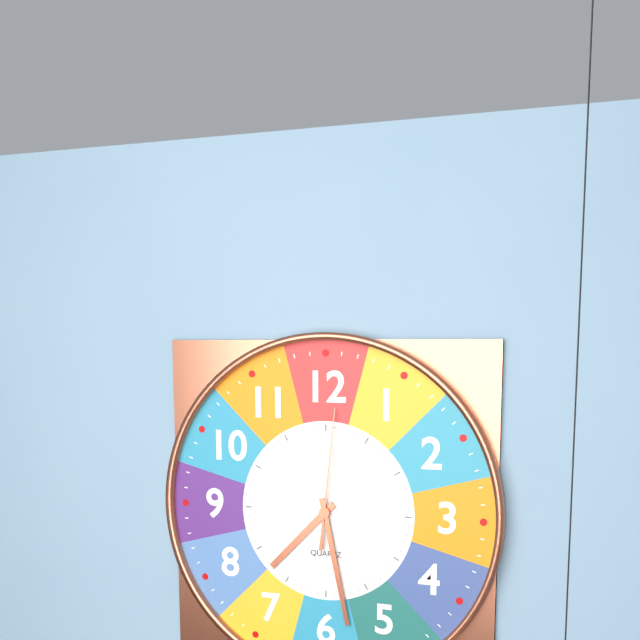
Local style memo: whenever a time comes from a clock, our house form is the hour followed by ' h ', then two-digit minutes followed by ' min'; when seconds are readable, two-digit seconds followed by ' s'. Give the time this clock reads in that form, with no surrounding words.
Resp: 7 h 28 min 01 s
